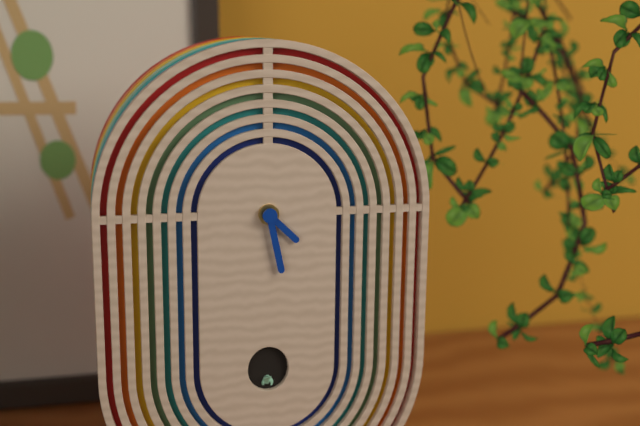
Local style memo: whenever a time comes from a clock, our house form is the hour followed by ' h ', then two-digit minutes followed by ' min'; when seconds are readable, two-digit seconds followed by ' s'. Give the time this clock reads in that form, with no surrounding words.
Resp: 4 h 28 min
